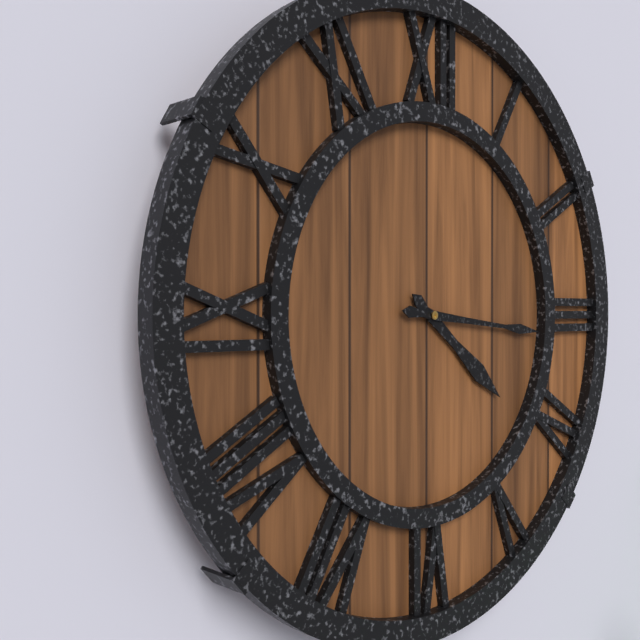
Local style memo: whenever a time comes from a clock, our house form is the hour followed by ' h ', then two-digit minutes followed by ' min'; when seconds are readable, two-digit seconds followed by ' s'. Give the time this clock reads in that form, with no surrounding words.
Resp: 4 h 16 min
